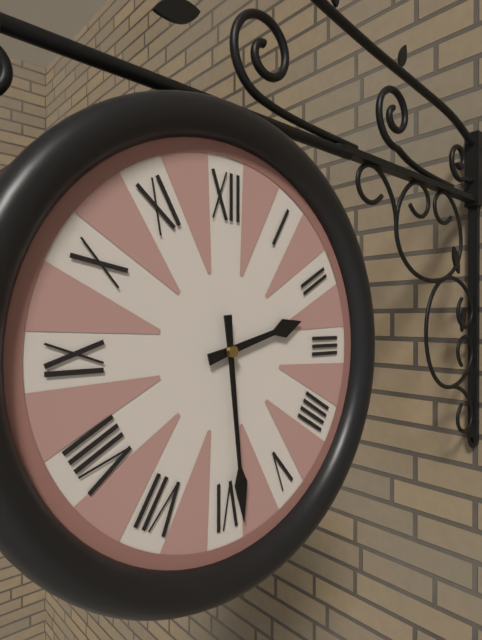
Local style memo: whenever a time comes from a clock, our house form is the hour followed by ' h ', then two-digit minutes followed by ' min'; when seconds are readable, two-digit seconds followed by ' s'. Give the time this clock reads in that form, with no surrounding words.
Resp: 2 h 29 min
